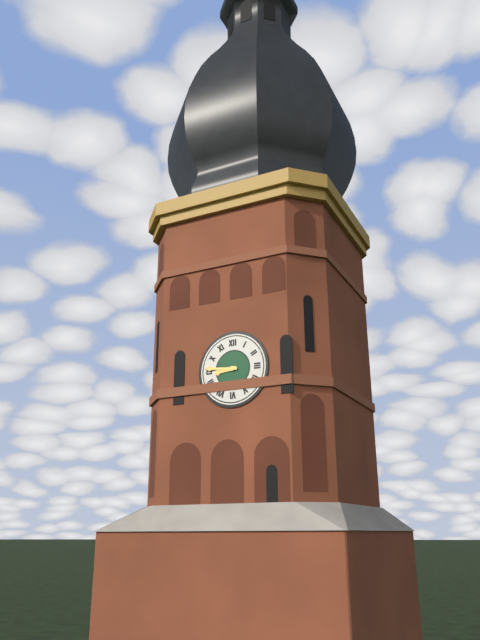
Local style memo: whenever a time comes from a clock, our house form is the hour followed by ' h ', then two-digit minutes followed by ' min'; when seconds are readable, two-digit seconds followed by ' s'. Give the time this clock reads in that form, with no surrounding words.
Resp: 8 h 46 min
